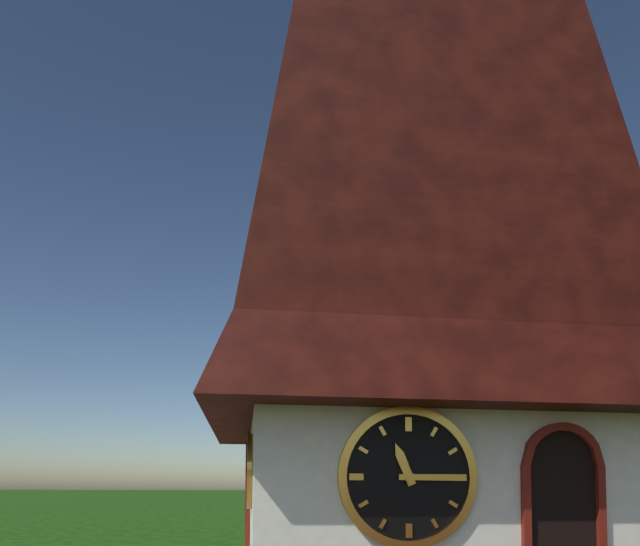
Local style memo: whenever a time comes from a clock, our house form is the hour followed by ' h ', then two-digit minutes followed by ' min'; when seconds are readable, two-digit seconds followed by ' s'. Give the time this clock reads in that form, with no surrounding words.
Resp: 11 h 15 min
